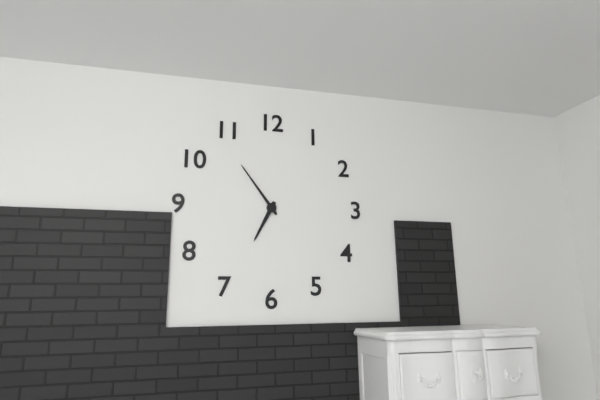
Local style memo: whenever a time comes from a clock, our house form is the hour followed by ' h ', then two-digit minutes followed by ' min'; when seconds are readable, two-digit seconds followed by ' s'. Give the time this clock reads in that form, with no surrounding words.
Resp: 6 h 54 min
